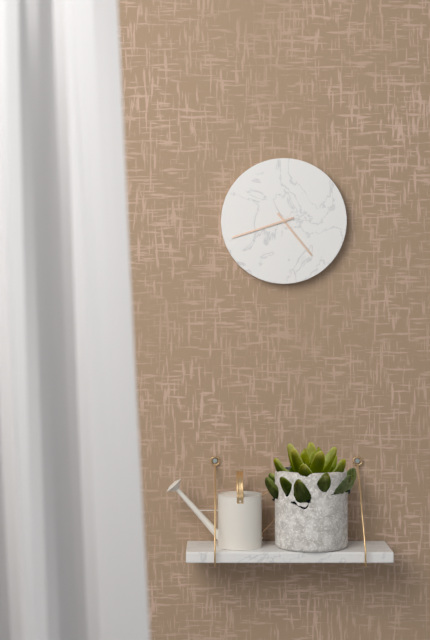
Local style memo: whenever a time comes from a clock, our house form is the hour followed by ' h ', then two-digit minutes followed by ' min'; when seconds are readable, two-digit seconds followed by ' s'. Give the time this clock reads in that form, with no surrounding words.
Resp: 4 h 42 min
